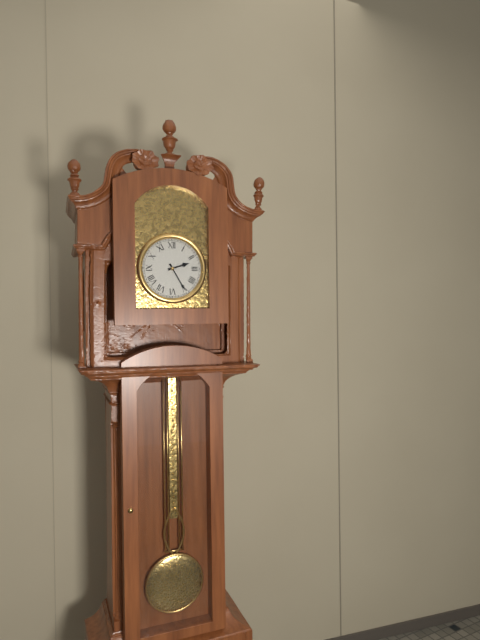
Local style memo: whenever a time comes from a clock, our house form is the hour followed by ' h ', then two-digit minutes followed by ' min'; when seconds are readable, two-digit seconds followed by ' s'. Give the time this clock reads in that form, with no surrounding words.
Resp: 2 h 25 min
